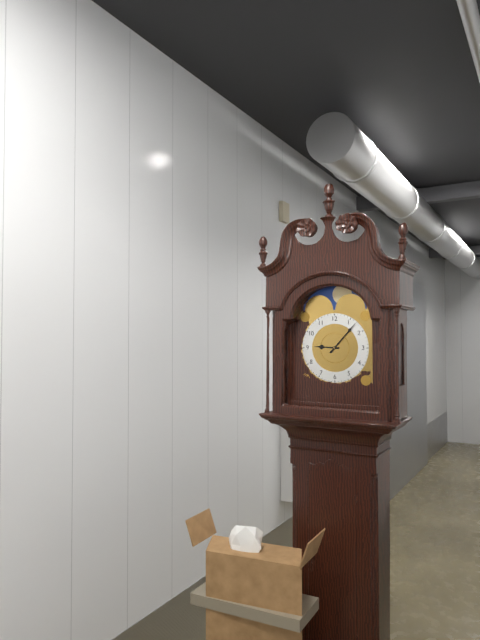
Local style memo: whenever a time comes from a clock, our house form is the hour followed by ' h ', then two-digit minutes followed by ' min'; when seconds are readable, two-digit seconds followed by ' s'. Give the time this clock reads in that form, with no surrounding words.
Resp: 9 h 07 min
